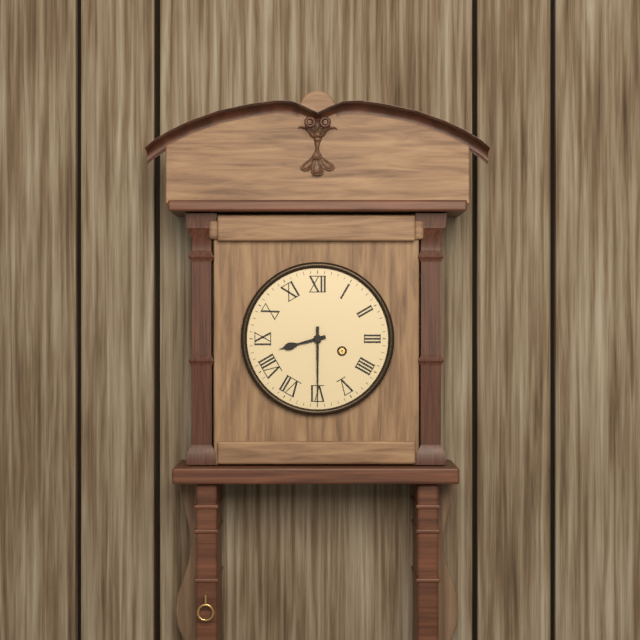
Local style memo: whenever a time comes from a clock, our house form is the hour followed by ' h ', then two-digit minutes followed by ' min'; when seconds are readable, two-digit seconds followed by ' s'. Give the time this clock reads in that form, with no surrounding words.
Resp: 8 h 30 min
